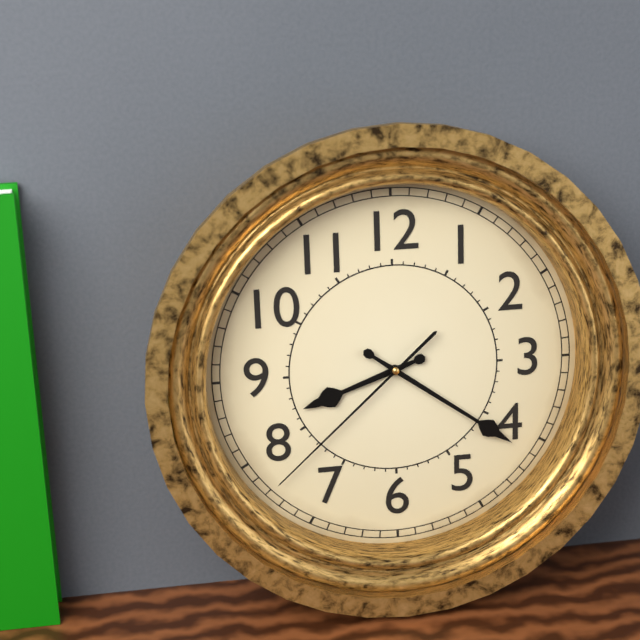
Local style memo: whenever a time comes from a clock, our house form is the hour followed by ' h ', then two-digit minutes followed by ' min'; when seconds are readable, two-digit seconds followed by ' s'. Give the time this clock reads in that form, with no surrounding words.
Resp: 8 h 21 min 38 s
